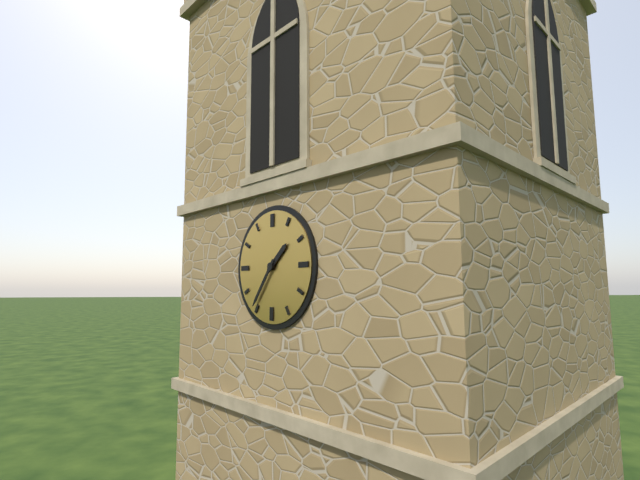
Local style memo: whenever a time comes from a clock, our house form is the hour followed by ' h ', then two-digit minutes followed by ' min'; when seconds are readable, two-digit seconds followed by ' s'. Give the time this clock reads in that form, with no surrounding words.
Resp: 1 h 36 min
